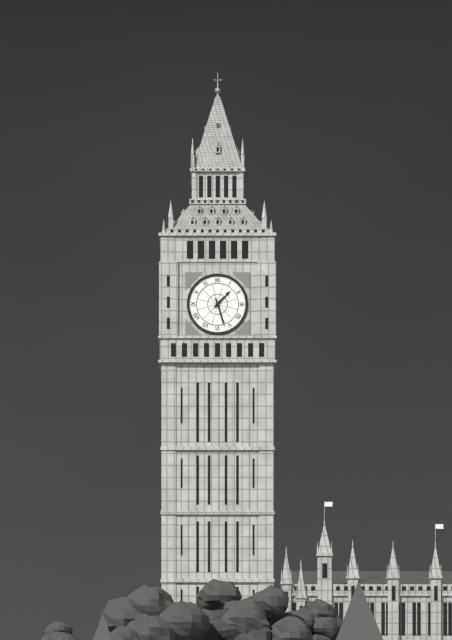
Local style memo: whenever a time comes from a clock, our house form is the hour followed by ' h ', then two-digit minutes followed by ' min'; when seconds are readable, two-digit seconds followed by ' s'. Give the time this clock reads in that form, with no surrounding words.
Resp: 1 h 27 min
